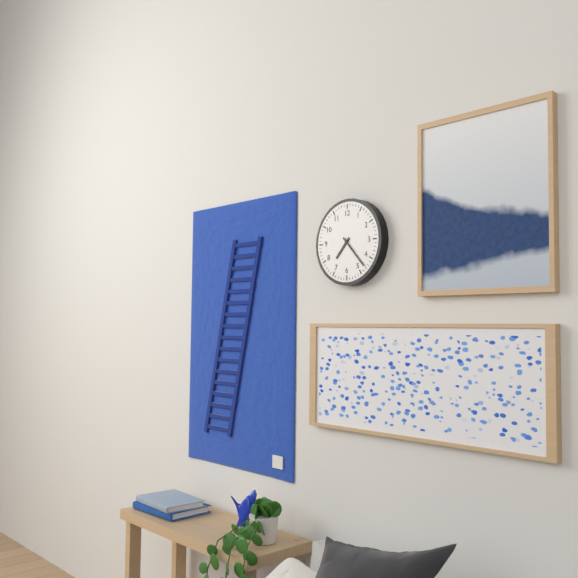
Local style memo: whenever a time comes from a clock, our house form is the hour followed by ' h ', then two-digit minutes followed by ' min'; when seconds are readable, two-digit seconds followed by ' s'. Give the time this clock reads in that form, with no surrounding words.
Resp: 7 h 23 min
